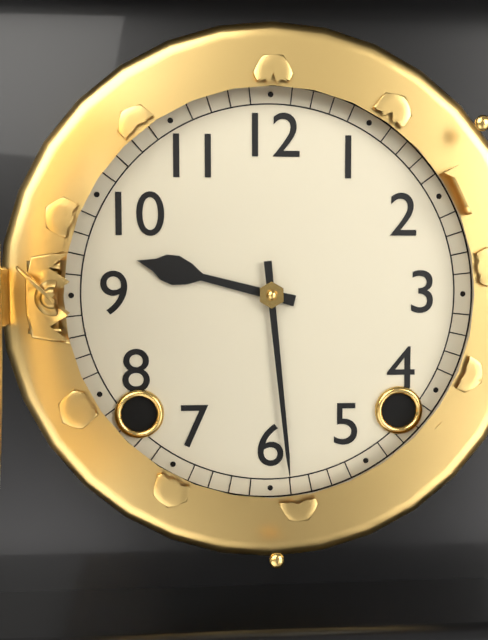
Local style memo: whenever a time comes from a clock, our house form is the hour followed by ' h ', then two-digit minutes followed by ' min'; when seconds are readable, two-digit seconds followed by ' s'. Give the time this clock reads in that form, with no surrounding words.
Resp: 9 h 29 min
